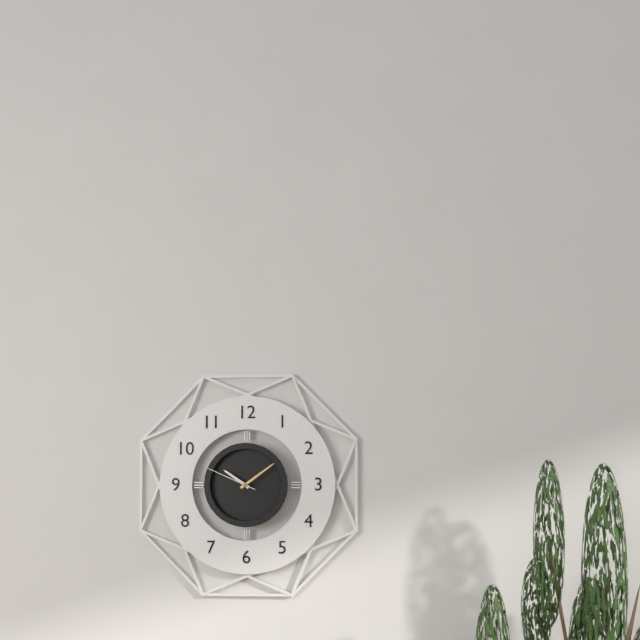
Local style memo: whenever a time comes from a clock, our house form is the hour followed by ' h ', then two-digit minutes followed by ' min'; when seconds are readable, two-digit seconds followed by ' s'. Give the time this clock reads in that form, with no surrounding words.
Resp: 10 h 09 min 49 s
